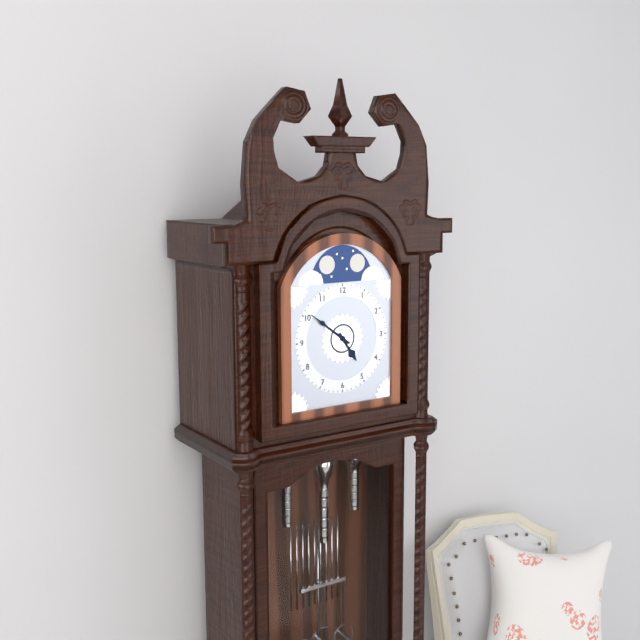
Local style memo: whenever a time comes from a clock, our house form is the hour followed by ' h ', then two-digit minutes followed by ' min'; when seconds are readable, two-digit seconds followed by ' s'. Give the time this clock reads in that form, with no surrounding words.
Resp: 4 h 51 min
